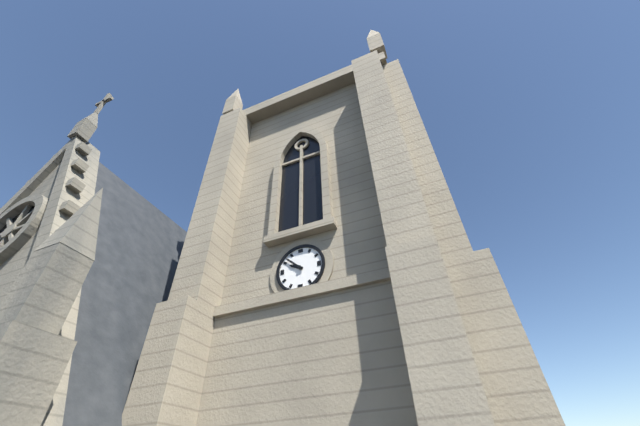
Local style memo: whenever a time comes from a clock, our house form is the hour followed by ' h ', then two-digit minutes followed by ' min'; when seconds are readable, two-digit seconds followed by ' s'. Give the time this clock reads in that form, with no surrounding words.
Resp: 9 h 52 min
